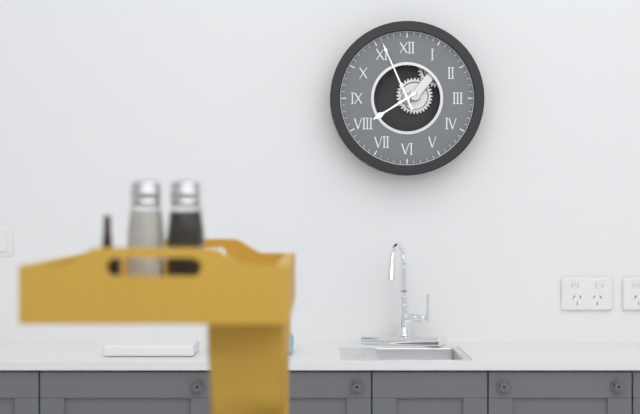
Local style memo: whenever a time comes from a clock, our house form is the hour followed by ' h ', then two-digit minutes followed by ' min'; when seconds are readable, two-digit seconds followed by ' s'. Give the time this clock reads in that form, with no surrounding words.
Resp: 7 h 56 min
